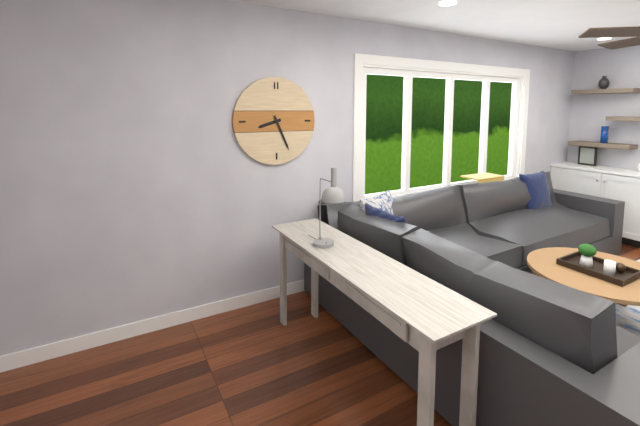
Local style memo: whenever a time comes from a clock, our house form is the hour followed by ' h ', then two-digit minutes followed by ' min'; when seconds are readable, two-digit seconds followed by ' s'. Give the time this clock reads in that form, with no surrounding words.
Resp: 8 h 26 min
